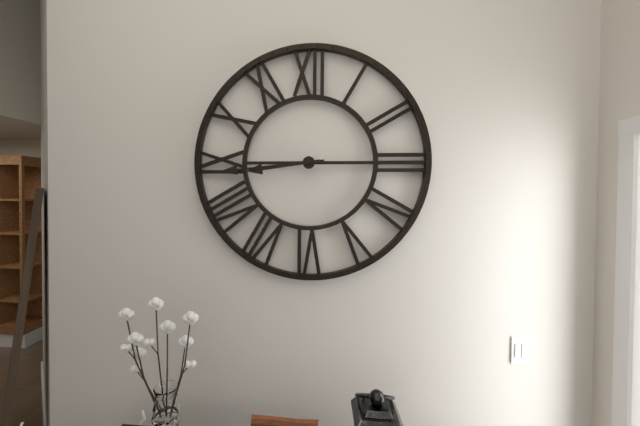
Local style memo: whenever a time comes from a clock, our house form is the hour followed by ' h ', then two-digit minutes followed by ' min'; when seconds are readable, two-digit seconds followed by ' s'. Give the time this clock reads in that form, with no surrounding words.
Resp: 8 h 44 min
